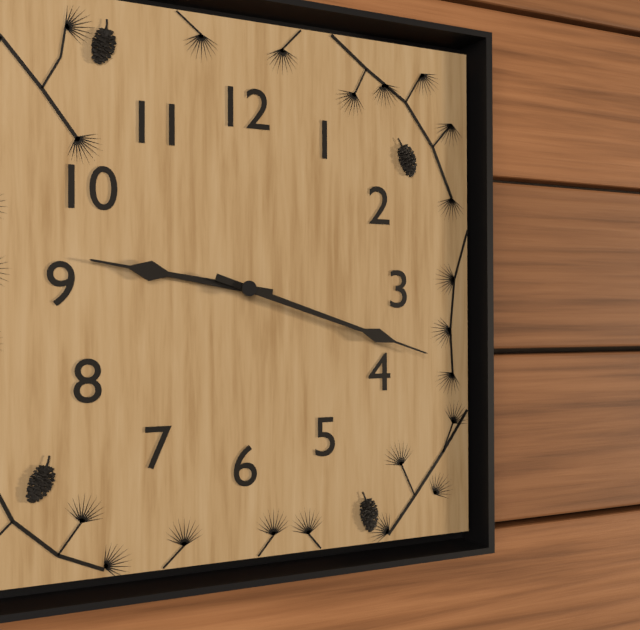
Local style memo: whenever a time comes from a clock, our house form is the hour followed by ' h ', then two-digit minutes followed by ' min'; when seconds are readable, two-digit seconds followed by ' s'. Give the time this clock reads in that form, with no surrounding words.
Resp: 9 h 18 min
